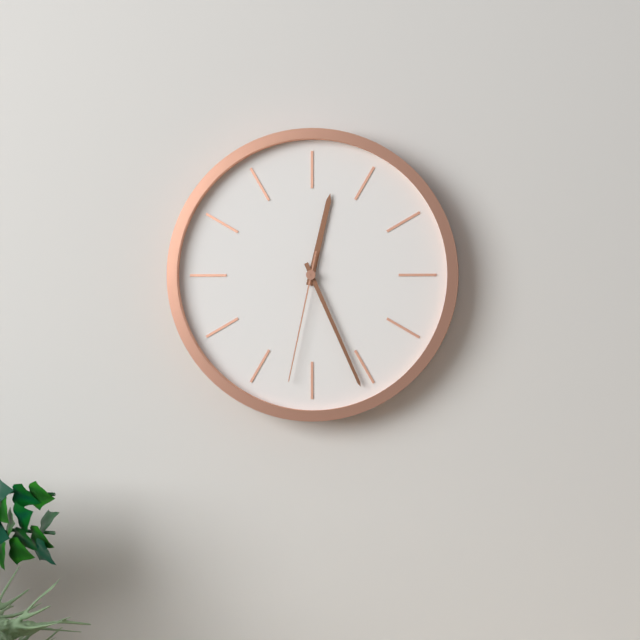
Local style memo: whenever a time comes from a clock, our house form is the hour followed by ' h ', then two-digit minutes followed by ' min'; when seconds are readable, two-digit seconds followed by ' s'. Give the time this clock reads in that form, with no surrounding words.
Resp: 12 h 26 min 32 s
